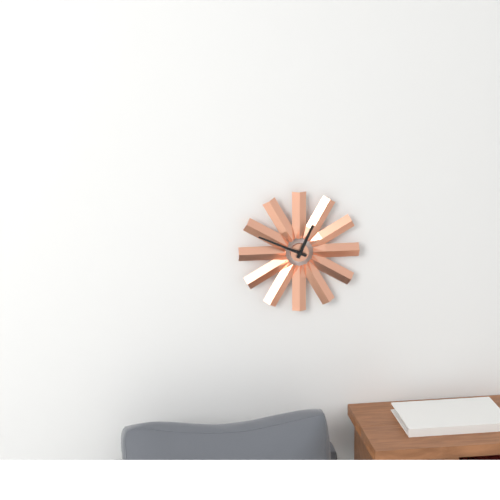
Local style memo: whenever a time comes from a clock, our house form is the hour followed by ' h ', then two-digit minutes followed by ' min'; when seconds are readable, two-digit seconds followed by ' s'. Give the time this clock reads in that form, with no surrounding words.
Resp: 12 h 49 min
